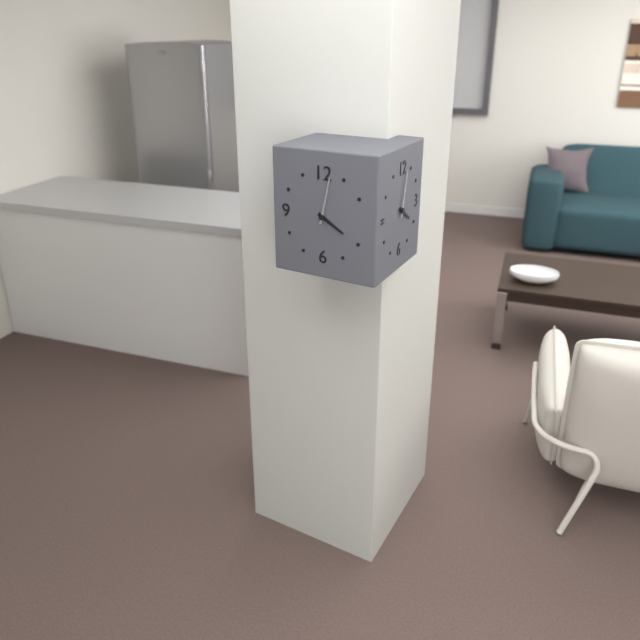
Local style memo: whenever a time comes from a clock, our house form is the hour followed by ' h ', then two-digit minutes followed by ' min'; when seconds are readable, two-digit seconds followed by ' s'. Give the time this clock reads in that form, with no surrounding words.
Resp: 4 h 02 min
